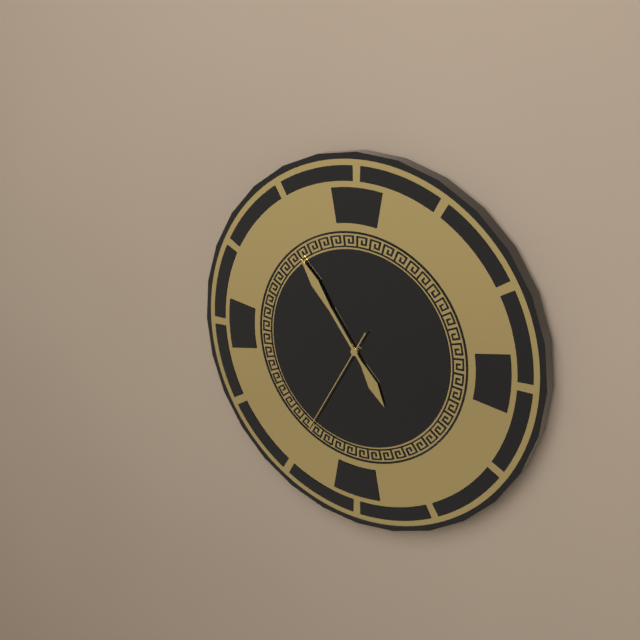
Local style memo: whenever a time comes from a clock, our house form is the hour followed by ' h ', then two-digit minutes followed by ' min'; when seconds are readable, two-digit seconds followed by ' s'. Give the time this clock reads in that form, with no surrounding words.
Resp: 4 h 54 min 35 s
